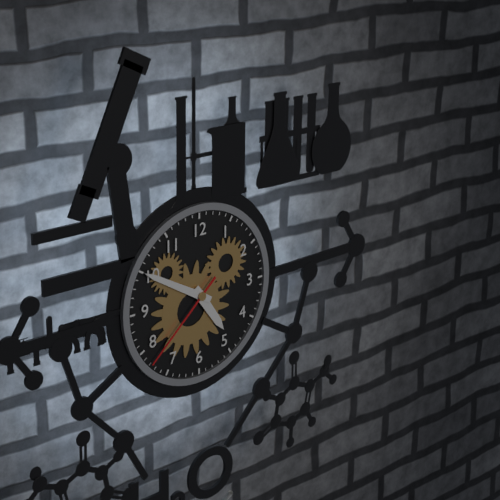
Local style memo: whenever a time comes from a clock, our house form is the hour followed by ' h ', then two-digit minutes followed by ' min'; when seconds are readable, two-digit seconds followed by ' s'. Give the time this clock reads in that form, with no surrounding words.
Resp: 4 h 50 min 38 s
